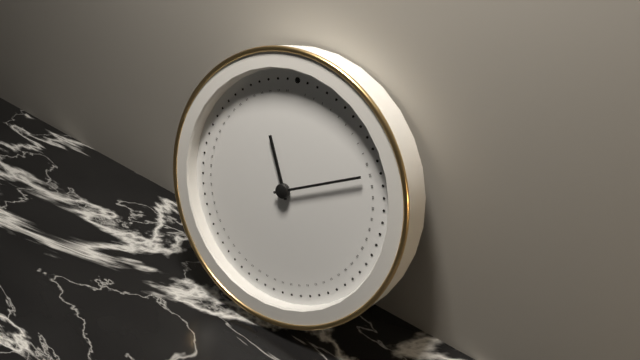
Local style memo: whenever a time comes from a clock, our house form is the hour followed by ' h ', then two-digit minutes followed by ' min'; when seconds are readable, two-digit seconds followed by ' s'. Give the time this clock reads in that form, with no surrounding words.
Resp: 11 h 11 min
